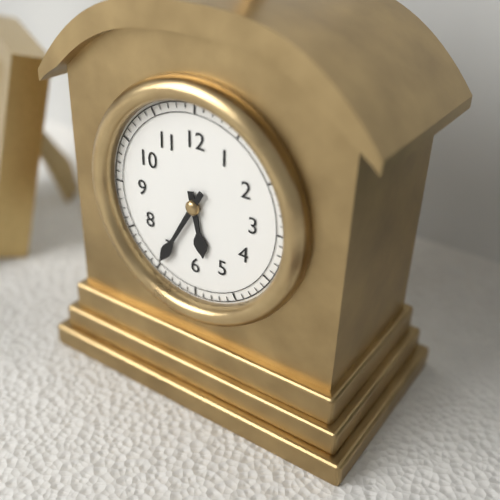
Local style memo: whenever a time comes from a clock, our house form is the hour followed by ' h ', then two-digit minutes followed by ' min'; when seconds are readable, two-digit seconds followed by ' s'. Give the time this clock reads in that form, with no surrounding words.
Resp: 5 h 35 min
